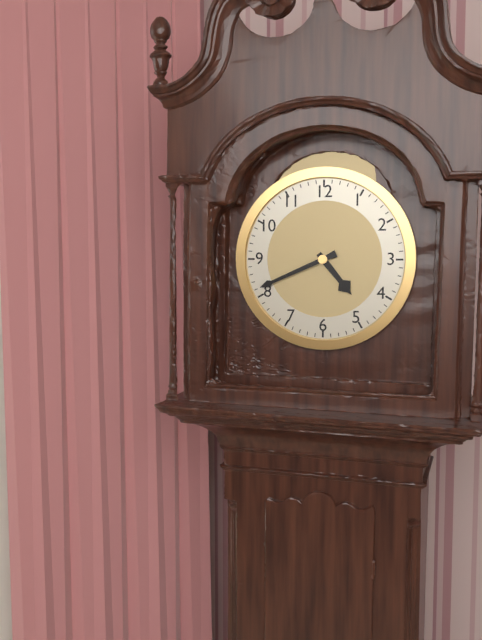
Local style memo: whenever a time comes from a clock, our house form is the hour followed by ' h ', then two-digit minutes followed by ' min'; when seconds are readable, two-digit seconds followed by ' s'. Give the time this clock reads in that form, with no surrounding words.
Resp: 4 h 41 min
